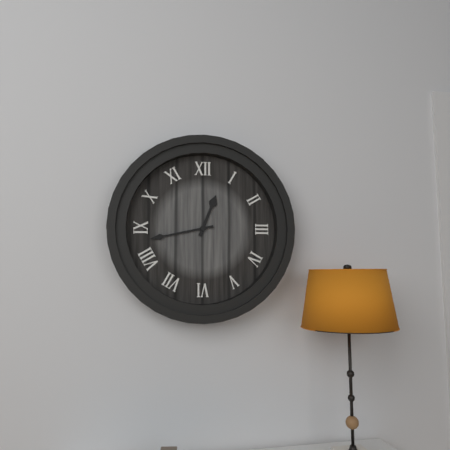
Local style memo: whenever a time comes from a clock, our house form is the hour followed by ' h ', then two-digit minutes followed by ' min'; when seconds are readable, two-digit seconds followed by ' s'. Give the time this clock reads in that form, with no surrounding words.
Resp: 12 h 43 min
